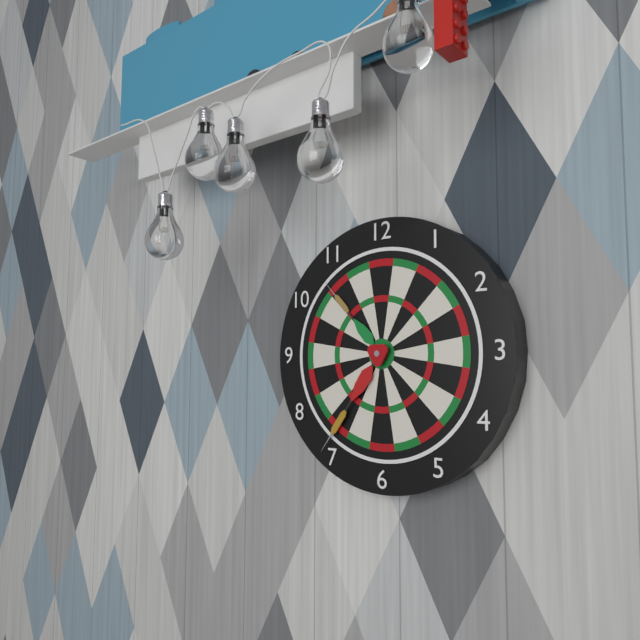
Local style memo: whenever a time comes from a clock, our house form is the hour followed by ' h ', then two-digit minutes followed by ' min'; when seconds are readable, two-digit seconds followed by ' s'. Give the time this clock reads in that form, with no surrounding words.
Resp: 10 h 36 min
